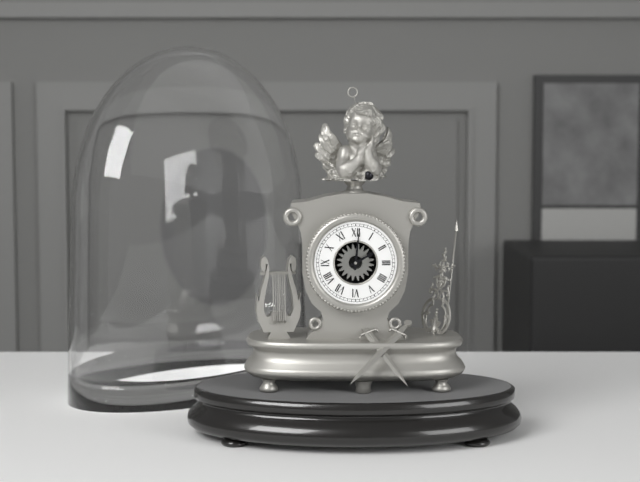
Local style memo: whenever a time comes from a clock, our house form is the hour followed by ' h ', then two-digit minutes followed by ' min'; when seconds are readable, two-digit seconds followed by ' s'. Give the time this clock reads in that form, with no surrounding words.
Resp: 2 h 01 min
